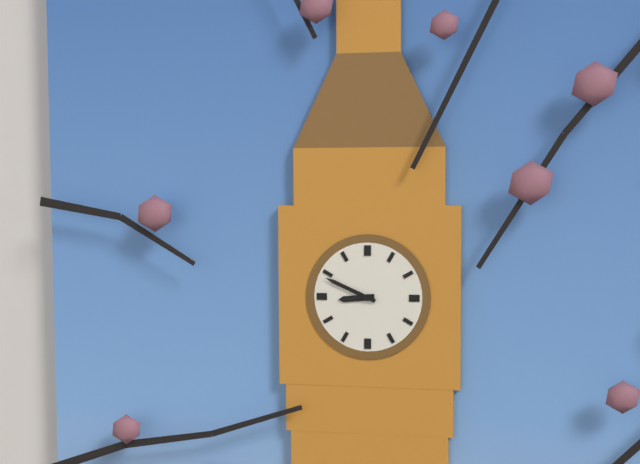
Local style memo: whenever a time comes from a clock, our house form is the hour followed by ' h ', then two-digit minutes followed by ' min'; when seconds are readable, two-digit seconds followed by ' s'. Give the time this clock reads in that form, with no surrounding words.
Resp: 8 h 49 min
